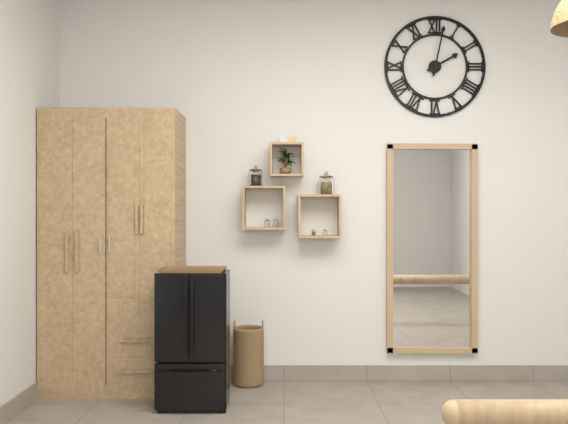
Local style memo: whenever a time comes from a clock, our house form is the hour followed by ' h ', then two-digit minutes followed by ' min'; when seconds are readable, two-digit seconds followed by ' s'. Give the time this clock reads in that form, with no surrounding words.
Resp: 2 h 02 min
